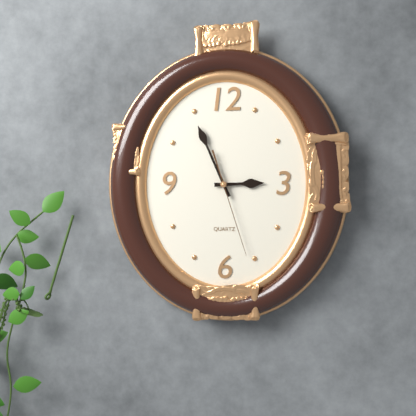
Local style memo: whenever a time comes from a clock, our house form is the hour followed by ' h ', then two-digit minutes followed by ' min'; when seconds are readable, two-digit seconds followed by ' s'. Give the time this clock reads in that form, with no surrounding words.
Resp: 2 h 56 min 27 s
